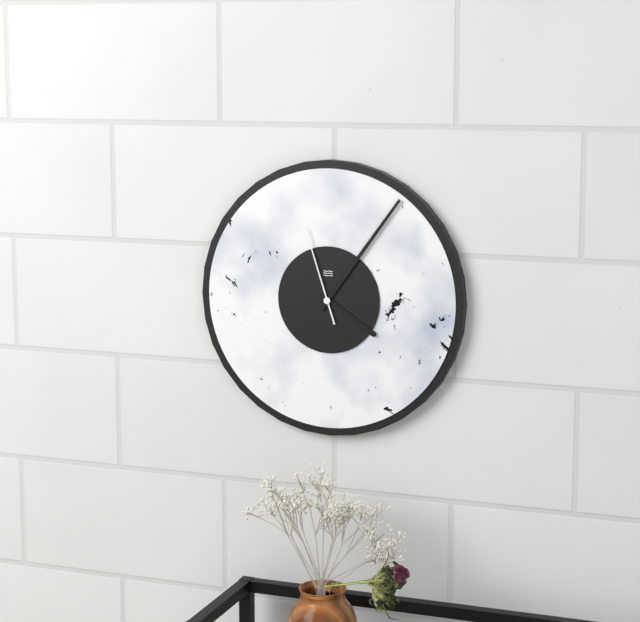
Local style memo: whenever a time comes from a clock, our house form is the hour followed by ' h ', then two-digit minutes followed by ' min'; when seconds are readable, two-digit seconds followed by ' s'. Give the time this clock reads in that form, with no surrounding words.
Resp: 4 h 06 min 57 s
